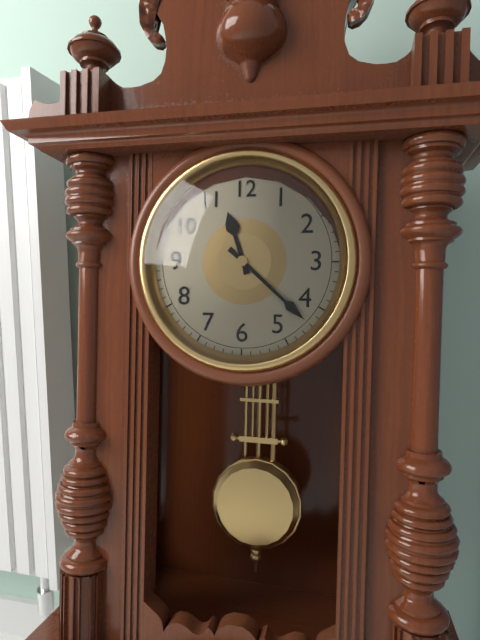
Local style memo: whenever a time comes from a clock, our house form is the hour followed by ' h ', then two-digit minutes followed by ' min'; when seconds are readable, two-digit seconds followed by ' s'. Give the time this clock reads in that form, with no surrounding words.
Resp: 11 h 22 min
